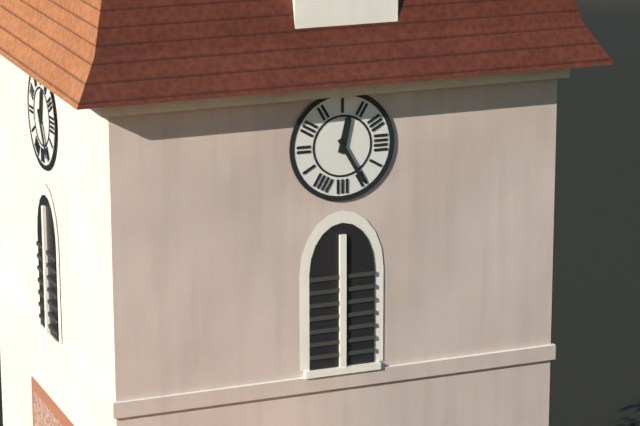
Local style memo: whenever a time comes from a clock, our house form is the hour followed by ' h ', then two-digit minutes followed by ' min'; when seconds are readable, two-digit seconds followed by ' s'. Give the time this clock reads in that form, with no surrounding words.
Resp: 12 h 25 min
